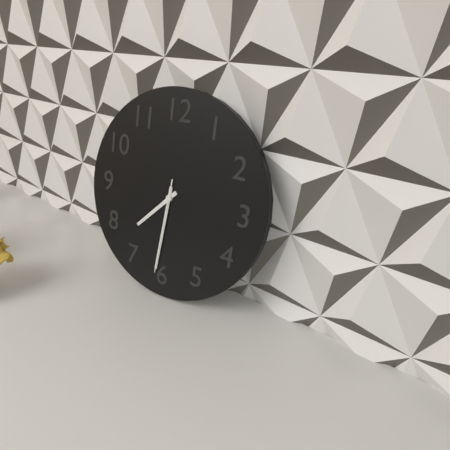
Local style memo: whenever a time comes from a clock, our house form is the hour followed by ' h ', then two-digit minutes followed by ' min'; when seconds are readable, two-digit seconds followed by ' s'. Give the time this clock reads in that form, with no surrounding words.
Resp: 7 h 31 min 31 s
